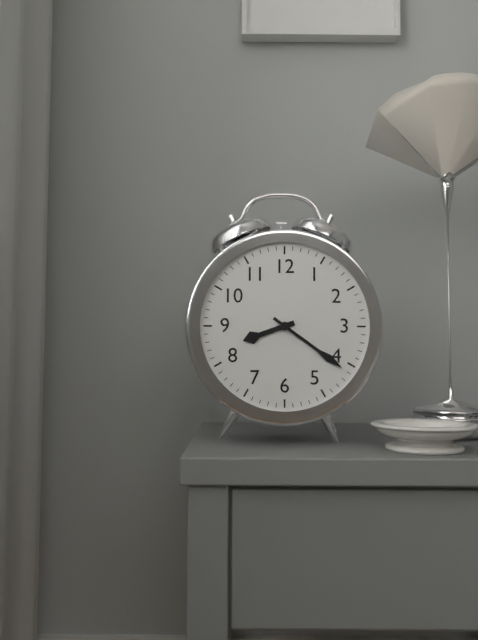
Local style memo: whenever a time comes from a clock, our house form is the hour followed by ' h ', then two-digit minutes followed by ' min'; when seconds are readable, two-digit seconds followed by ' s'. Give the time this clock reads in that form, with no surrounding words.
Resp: 8 h 21 min
